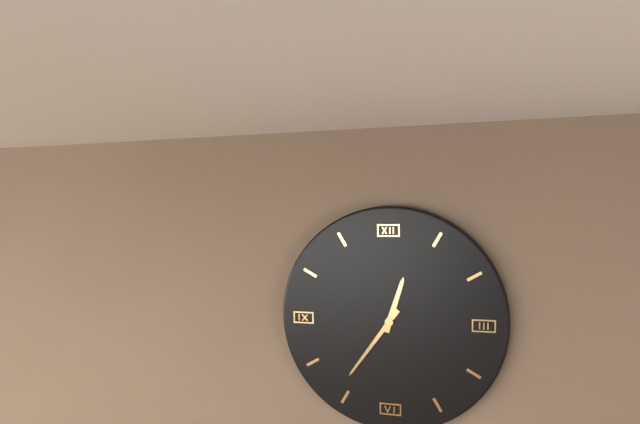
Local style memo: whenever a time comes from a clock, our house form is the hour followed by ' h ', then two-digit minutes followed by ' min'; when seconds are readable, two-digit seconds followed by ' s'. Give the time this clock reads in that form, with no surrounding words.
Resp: 12 h 36 min
